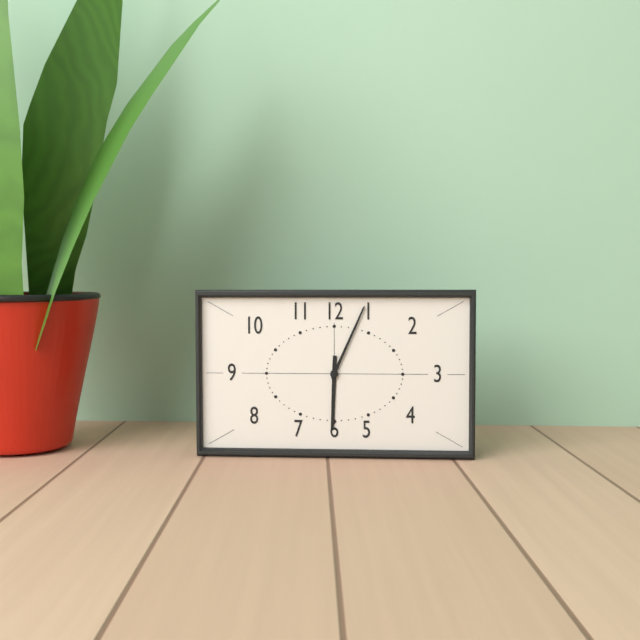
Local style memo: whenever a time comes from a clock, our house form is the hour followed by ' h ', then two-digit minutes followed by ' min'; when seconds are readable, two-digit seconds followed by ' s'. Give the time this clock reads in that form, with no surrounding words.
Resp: 6 h 04 min
